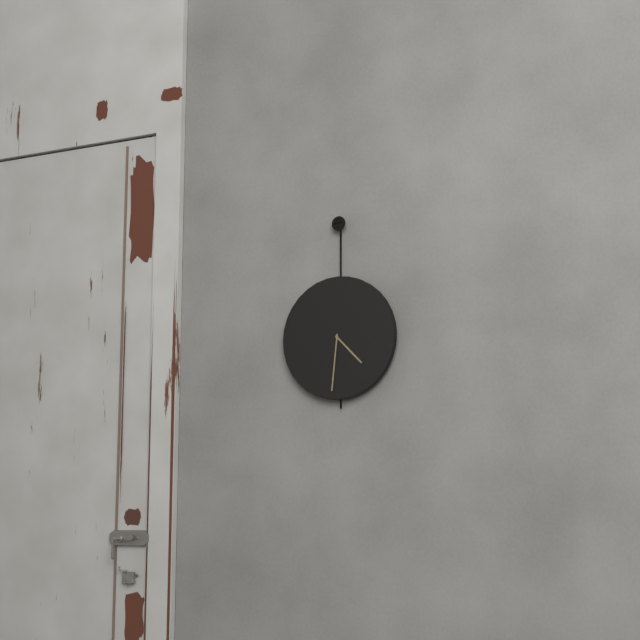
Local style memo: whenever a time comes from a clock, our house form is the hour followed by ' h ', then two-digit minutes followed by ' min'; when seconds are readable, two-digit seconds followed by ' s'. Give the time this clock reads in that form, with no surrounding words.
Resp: 4 h 31 min
